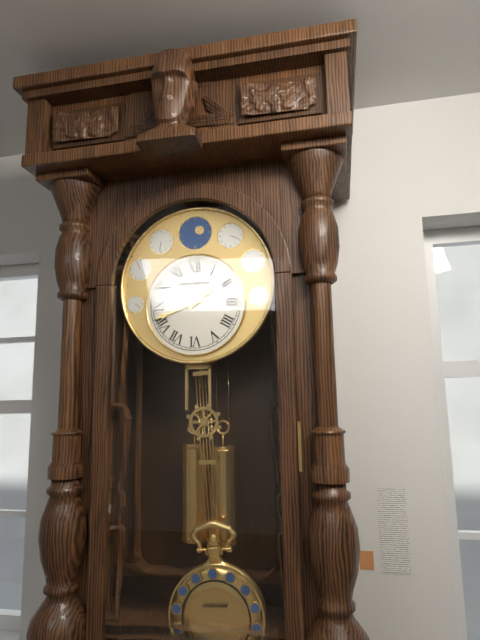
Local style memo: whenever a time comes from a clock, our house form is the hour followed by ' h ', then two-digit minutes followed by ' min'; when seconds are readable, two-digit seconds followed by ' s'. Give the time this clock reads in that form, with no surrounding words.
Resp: 1 h 42 min
